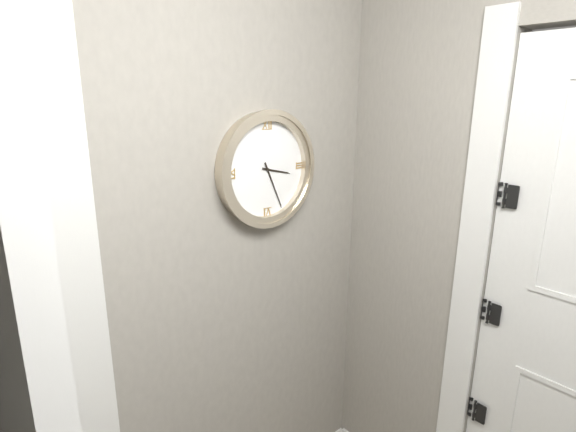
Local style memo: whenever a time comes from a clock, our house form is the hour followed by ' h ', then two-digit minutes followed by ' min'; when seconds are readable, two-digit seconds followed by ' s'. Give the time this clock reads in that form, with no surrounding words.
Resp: 3 h 26 min
